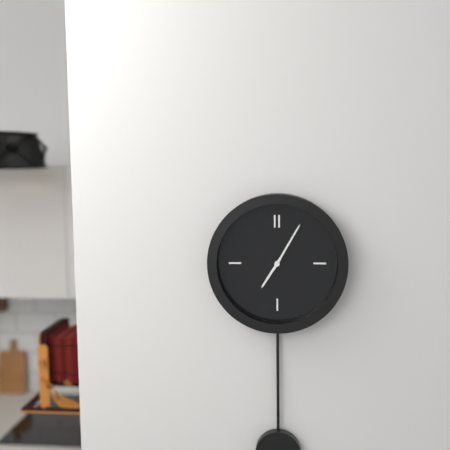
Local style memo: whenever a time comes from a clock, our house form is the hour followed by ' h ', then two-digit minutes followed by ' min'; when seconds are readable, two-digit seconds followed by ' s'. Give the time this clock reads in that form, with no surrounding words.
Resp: 7 h 05 min
